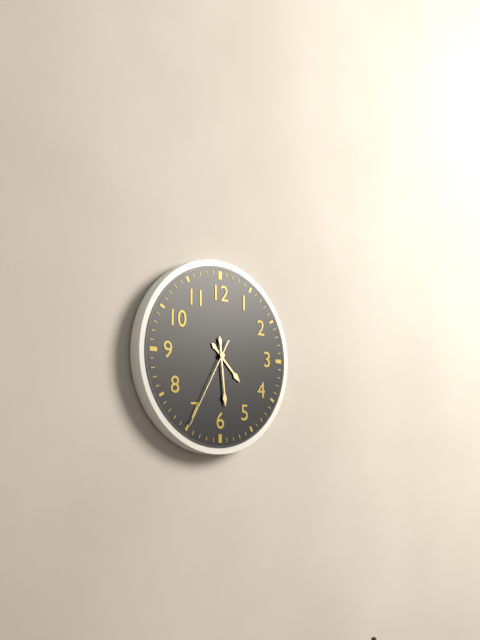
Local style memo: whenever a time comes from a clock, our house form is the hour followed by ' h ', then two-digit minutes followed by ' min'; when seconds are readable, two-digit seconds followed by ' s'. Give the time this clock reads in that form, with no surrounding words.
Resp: 4 h 29 min 35 s
